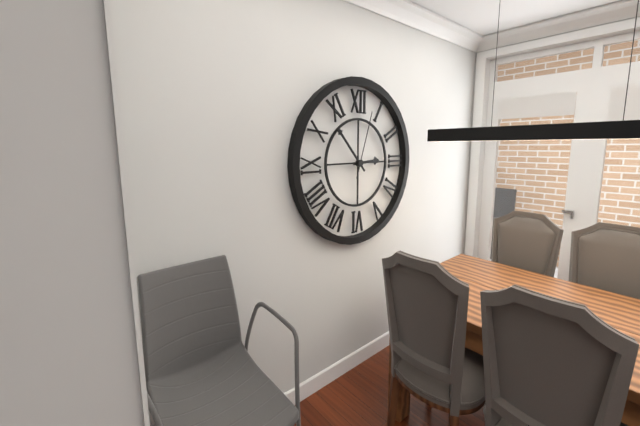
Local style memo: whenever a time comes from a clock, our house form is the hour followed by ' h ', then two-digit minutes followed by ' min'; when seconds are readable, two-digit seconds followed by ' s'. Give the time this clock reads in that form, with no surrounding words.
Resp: 2 h 53 min 03 s
